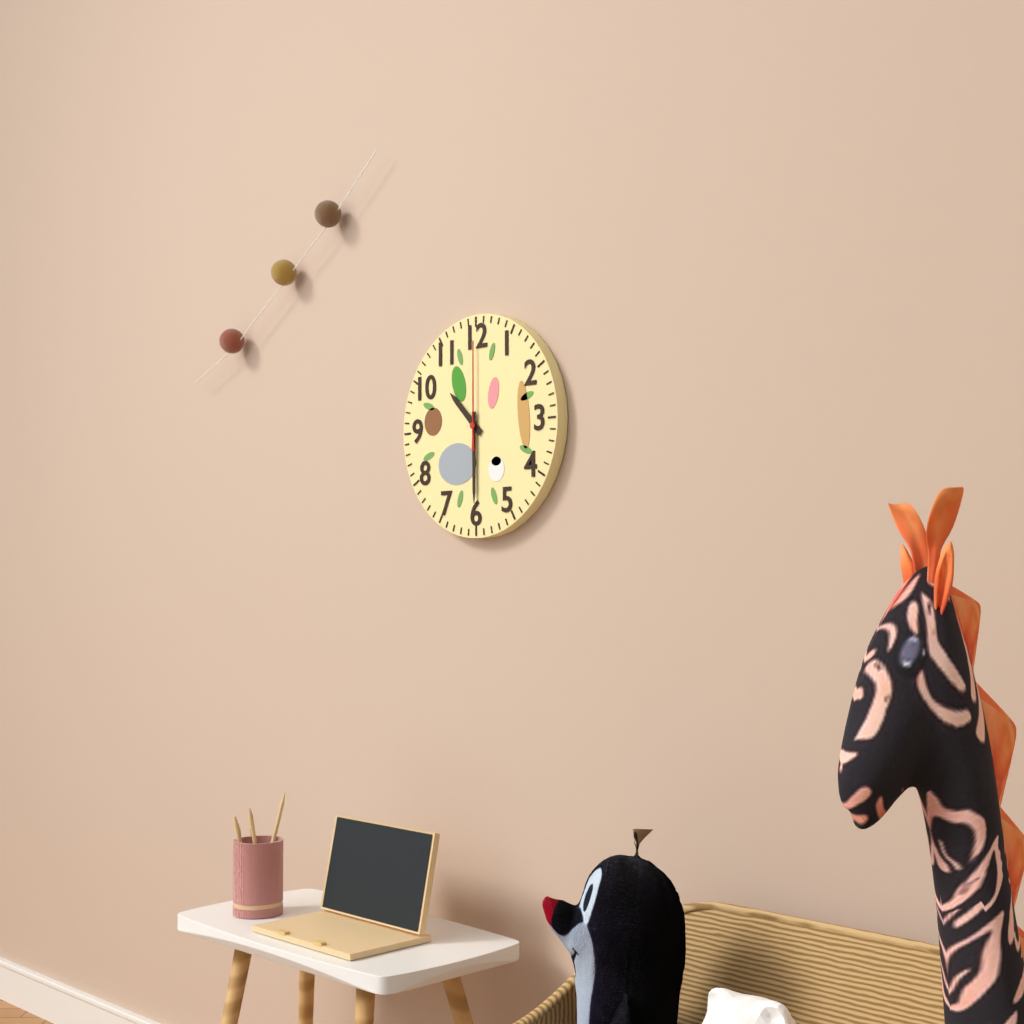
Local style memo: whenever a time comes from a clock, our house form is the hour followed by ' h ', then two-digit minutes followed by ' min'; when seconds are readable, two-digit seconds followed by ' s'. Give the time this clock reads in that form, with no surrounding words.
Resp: 10 h 30 min 00 s
